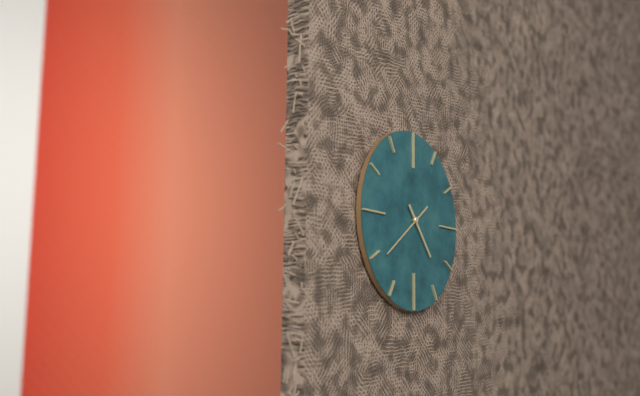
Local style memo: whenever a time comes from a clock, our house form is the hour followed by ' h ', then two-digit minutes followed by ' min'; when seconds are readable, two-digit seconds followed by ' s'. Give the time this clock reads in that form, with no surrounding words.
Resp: 4 h 39 min
